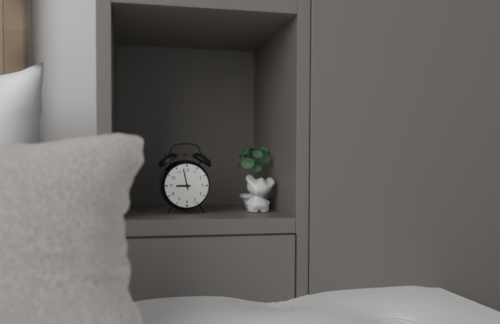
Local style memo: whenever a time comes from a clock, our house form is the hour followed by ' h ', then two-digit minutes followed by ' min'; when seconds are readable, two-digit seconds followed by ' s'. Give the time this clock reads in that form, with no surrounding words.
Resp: 8 h 58 min
